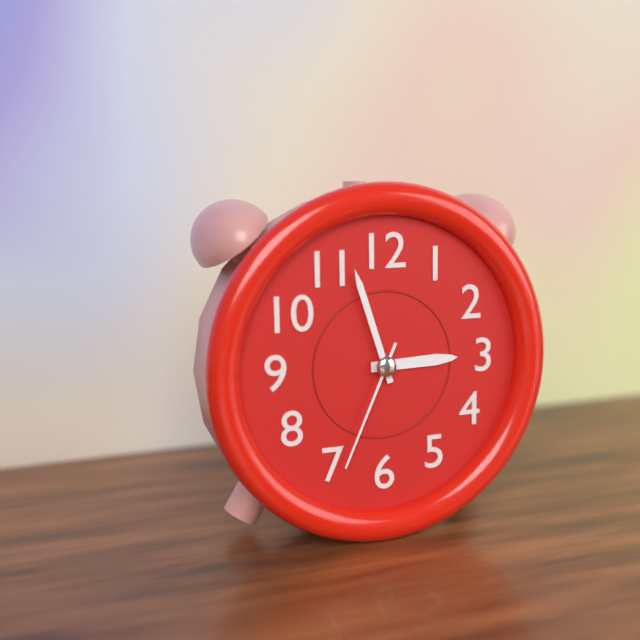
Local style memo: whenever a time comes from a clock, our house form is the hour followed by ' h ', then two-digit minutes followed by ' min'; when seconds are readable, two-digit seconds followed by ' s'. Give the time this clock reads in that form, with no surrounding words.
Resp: 2 h 57 min 34 s
